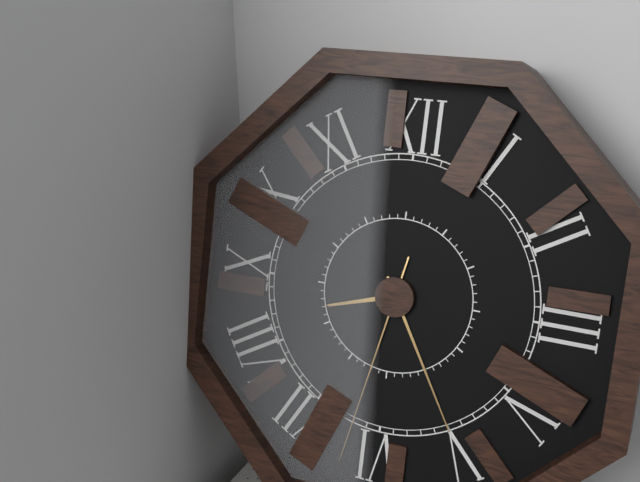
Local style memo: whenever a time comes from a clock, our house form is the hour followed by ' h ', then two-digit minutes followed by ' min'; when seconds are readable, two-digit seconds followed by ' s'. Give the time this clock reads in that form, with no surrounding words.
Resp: 8 h 25 min 32 s
